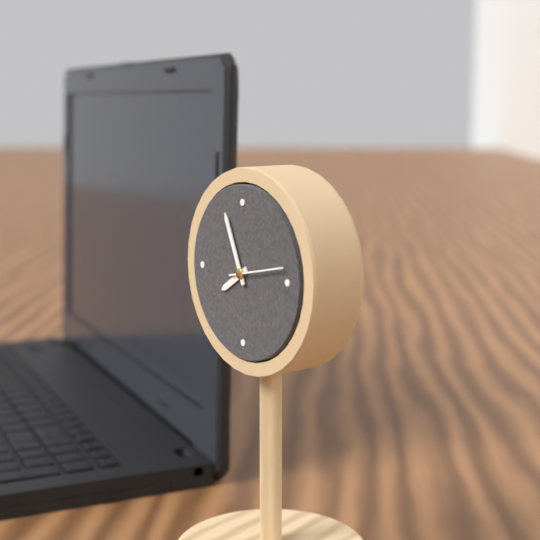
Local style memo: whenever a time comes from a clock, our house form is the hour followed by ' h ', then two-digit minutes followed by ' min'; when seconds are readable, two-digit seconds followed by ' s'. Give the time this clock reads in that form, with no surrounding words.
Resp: 7 h 56 min
